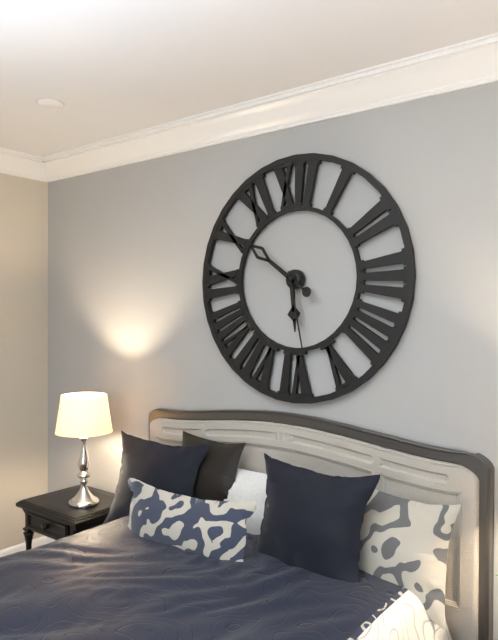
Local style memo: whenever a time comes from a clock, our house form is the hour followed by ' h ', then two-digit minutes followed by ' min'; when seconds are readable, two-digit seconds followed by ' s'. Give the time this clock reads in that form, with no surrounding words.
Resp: 5 h 51 min 28 s
